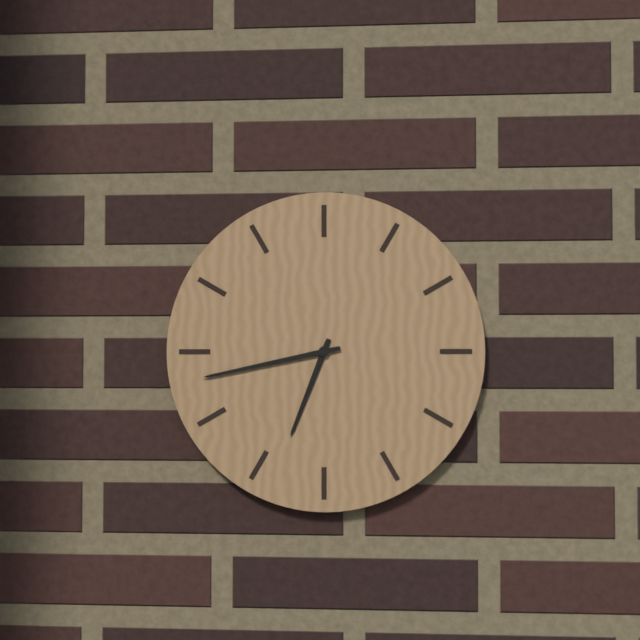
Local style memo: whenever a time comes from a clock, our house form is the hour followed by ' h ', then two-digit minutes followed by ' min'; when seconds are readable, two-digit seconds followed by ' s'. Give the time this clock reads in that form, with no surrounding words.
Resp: 6 h 43 min
